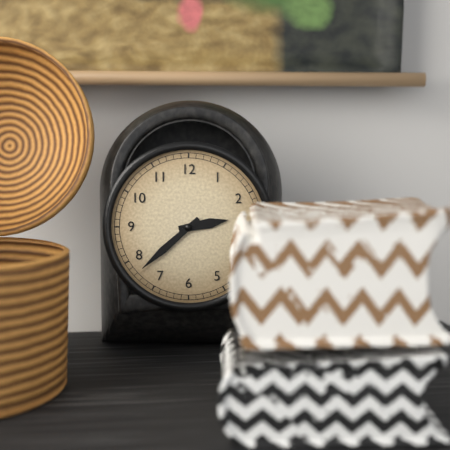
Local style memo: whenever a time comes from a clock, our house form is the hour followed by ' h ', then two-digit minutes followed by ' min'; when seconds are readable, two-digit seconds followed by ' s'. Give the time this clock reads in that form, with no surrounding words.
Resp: 2 h 38 min
